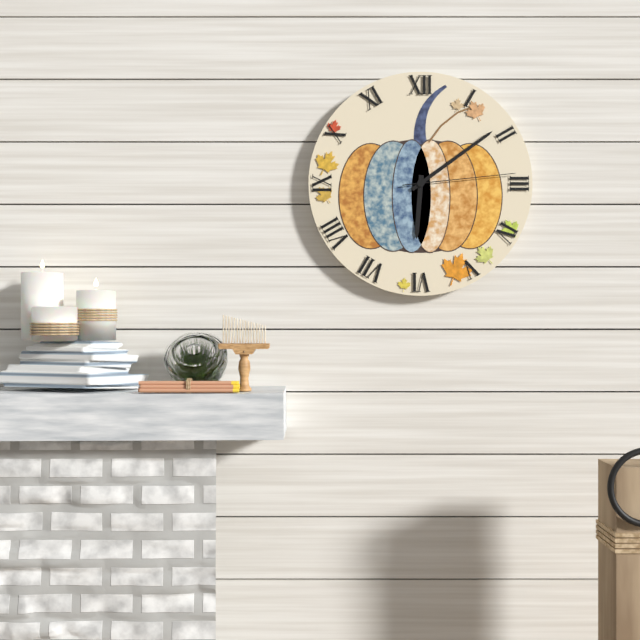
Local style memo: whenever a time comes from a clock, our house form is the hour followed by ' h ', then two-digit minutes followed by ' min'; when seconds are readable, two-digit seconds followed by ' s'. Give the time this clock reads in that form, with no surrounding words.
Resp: 6 h 09 min 14 s
